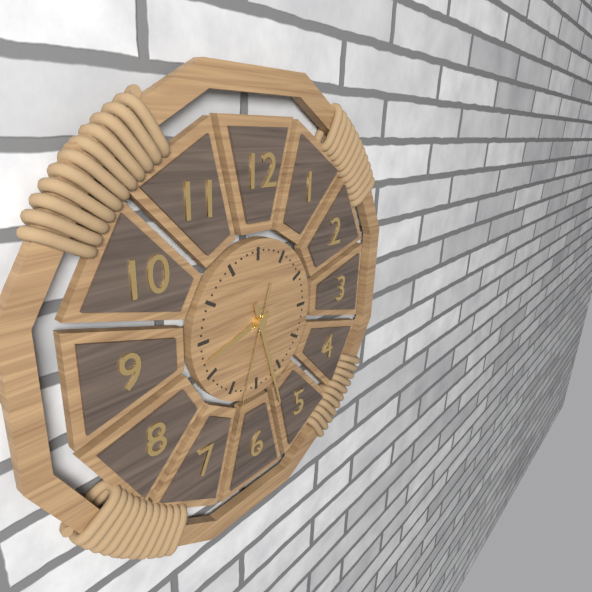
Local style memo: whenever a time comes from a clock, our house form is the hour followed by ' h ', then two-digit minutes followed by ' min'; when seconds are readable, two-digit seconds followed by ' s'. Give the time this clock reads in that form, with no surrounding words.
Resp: 8 h 27 min 33 s
